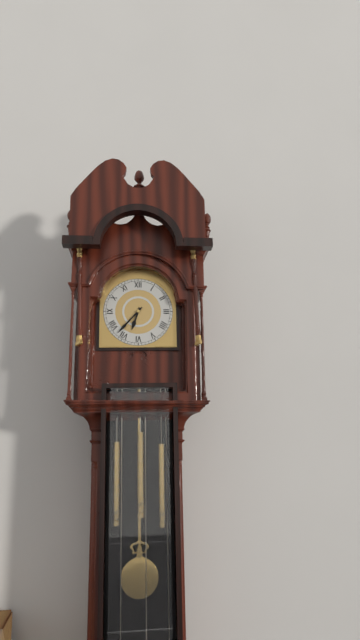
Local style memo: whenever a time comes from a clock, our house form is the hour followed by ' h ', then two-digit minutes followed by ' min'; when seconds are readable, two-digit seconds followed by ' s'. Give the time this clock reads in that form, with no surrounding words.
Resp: 6 h 37 min
